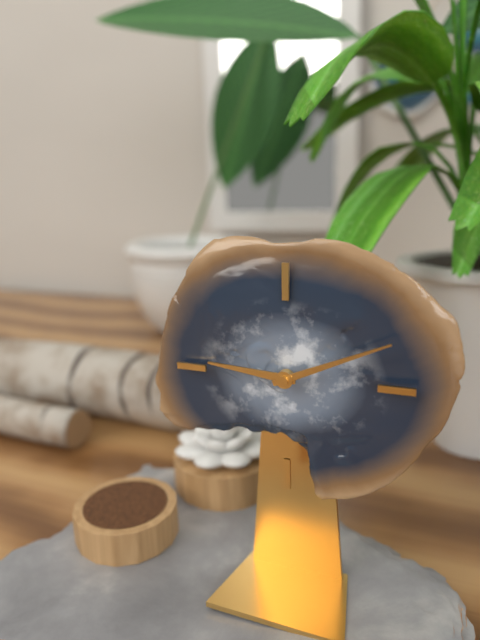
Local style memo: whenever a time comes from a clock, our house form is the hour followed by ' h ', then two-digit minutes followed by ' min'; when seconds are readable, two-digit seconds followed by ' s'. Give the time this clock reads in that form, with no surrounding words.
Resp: 9 h 11 min
